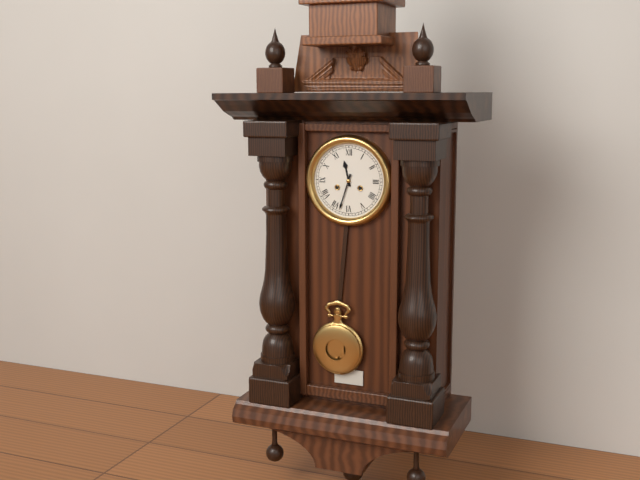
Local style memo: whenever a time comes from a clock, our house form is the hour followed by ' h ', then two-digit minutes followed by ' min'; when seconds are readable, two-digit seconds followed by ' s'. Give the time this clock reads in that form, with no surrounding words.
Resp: 11 h 33 min
